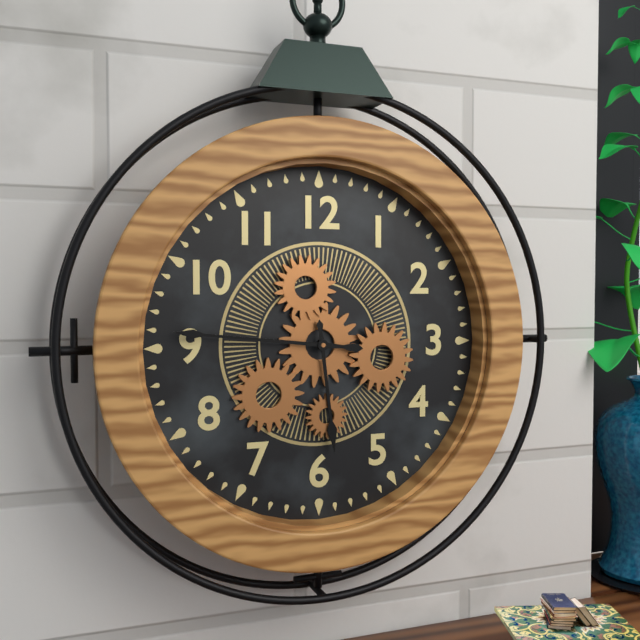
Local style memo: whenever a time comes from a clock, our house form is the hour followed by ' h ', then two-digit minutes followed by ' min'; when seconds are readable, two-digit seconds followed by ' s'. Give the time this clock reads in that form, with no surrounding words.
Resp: 5 h 46 min
